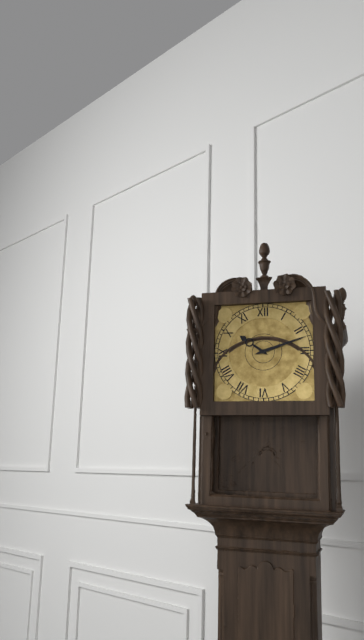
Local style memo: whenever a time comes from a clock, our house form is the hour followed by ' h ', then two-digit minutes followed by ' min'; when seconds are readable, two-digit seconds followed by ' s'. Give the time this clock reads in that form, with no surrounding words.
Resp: 10 h 12 min
